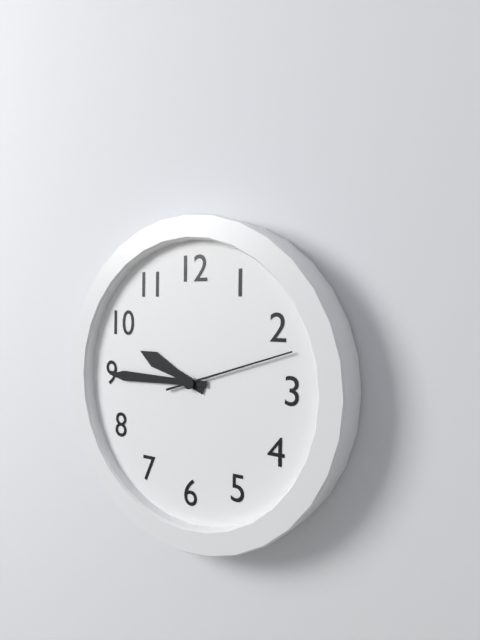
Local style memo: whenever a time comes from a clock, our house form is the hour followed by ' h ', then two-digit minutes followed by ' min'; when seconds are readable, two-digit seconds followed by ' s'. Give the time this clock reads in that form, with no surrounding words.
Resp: 9 h 45 min 12 s
